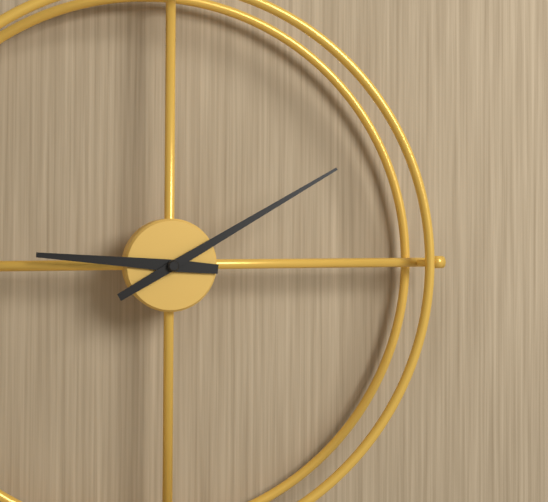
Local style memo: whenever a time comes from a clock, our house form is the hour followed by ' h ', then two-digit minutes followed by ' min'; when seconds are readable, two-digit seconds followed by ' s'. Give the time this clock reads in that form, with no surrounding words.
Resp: 9 h 10 min
